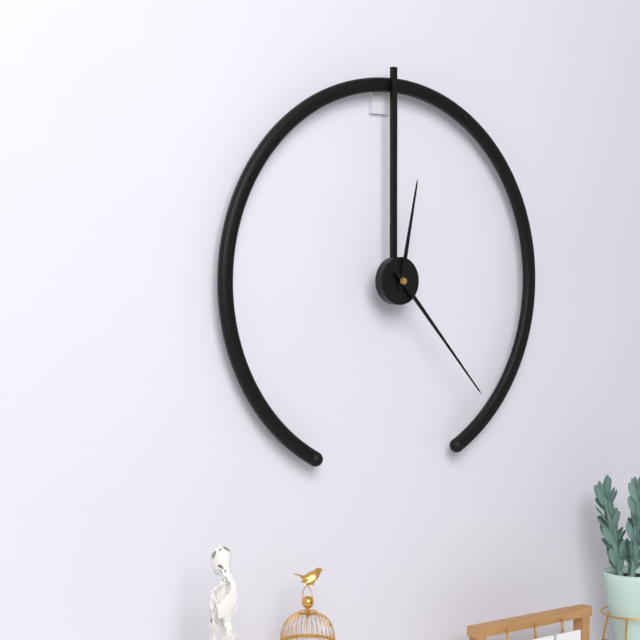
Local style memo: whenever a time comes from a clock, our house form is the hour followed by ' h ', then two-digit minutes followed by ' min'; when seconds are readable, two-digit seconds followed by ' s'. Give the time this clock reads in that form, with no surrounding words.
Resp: 12 h 23 min
